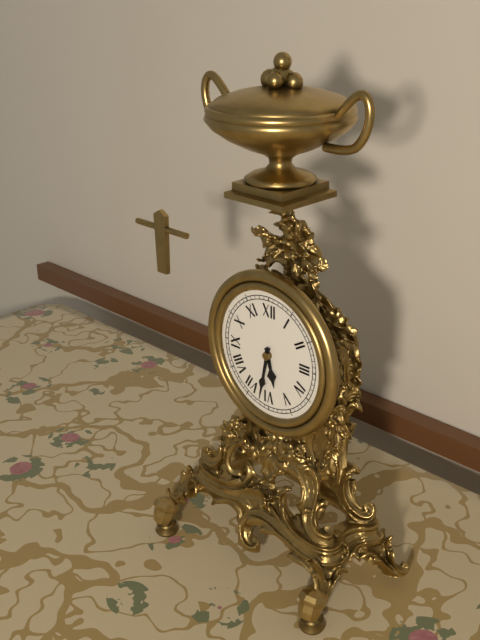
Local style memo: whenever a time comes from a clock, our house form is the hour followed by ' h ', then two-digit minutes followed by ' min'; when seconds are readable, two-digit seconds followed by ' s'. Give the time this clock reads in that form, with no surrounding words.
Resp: 5 h 32 min
